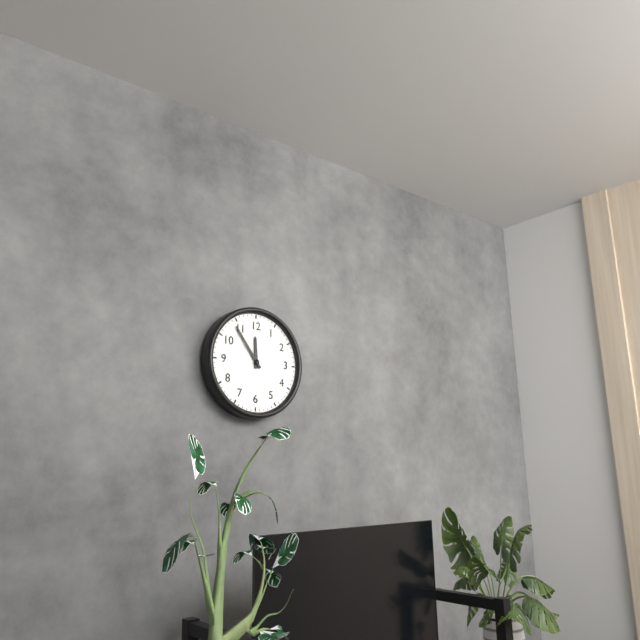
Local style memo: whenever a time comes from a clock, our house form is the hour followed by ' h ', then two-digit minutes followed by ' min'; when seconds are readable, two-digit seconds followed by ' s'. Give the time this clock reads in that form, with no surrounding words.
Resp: 11 h 54 min
